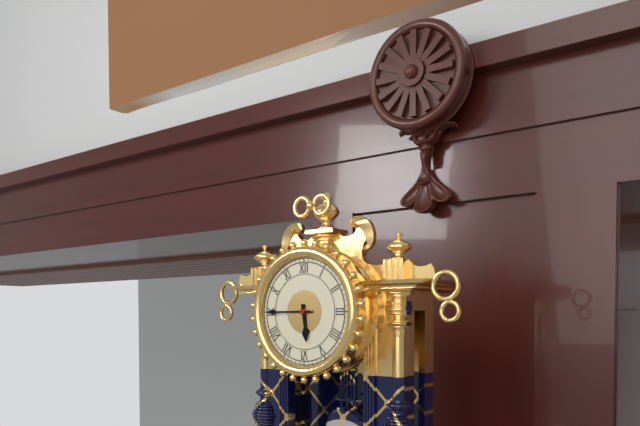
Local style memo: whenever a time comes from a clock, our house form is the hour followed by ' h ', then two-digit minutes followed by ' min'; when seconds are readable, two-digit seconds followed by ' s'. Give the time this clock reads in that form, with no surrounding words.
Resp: 5 h 45 min
